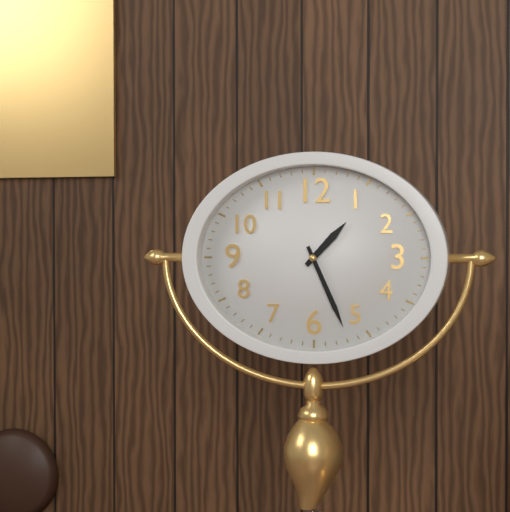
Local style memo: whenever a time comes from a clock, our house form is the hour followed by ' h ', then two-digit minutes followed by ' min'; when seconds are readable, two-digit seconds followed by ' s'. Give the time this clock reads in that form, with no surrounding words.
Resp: 1 h 26 min
